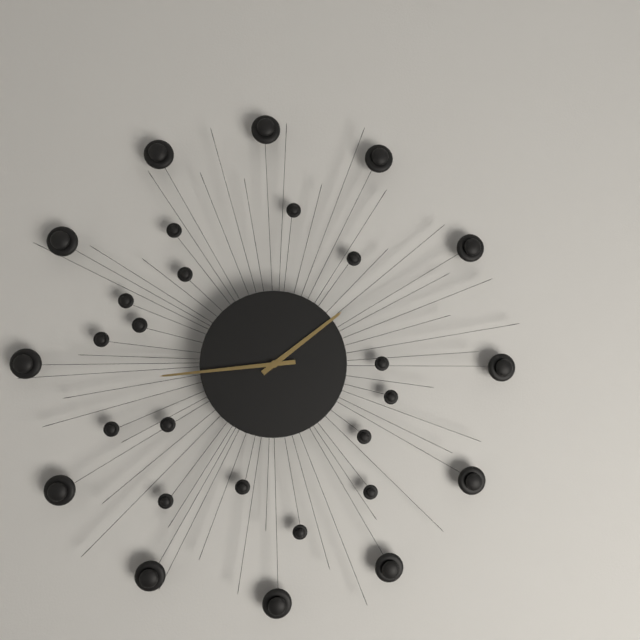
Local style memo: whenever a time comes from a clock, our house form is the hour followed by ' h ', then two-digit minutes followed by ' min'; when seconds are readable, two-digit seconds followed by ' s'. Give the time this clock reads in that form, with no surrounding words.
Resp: 1 h 44 min
